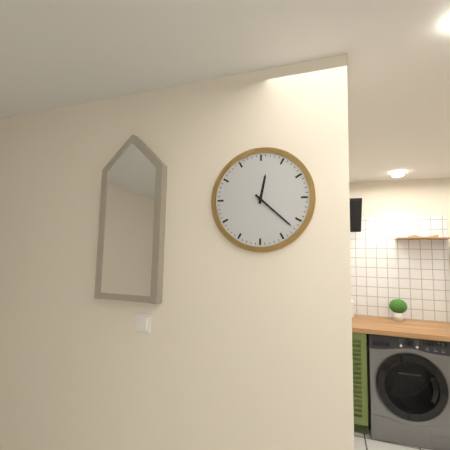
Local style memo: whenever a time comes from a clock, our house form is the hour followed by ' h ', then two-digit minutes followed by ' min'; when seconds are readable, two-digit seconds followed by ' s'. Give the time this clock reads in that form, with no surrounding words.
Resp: 12 h 22 min
